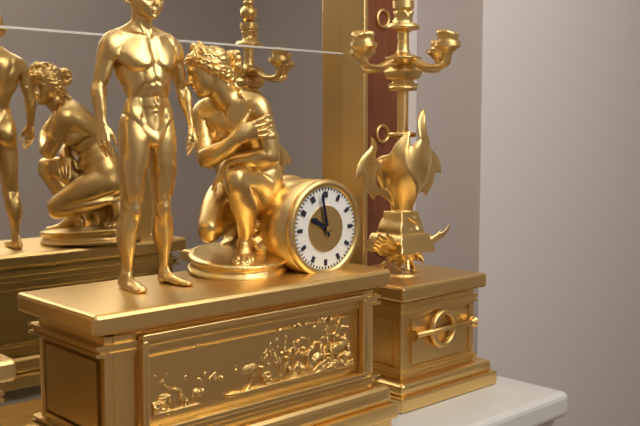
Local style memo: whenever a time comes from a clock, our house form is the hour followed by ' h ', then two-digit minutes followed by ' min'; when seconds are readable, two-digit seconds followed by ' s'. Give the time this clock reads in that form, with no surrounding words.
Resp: 9 h 58 min
